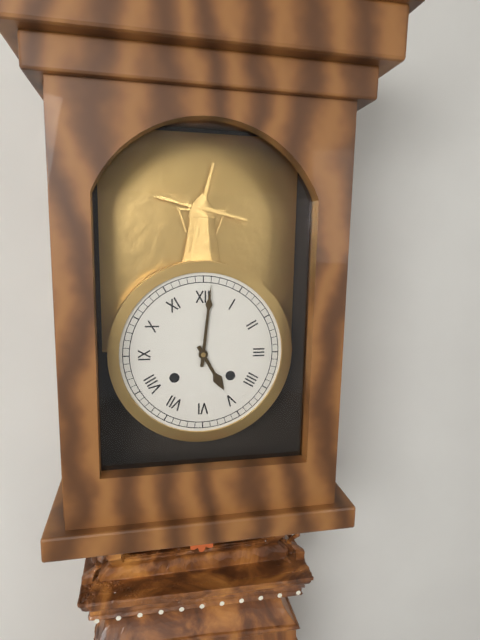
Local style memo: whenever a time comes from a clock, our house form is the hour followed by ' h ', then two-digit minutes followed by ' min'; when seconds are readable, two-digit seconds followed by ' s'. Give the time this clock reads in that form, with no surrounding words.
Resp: 5 h 01 min
